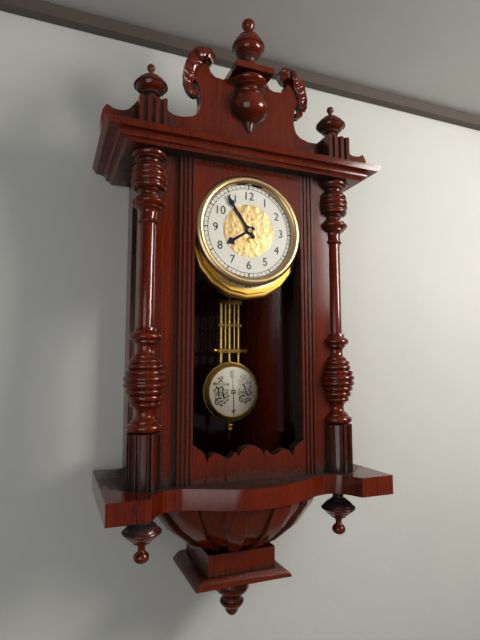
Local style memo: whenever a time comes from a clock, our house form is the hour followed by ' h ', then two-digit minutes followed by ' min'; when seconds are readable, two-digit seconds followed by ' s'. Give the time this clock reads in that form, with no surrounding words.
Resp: 7 h 54 min
